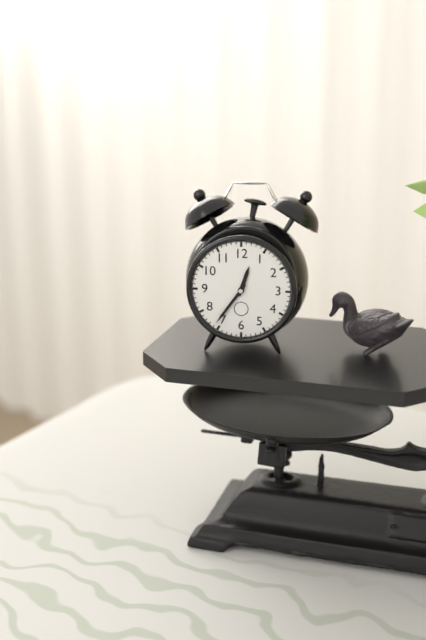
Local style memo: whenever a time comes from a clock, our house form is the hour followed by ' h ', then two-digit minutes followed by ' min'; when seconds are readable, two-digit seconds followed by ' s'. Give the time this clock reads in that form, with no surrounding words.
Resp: 12 h 36 min
